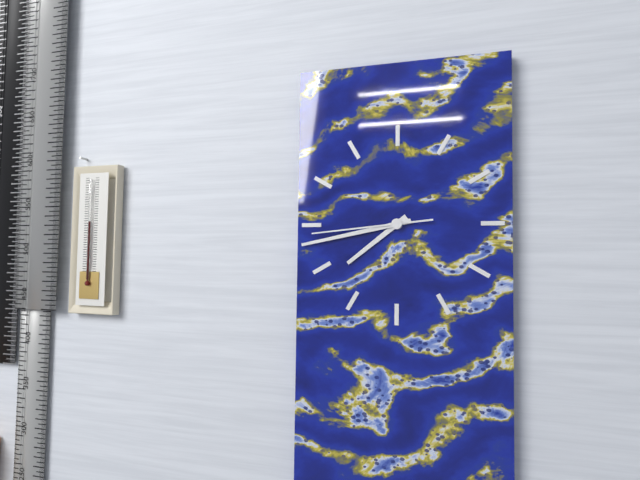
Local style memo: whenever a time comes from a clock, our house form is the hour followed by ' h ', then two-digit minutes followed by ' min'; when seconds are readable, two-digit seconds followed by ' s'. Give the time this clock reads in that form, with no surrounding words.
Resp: 7 h 43 min 44 s
